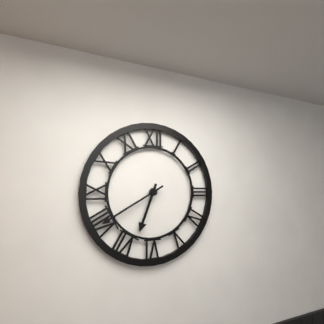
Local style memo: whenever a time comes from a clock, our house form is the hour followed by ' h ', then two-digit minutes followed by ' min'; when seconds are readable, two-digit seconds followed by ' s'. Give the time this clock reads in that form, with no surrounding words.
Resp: 6 h 40 min
